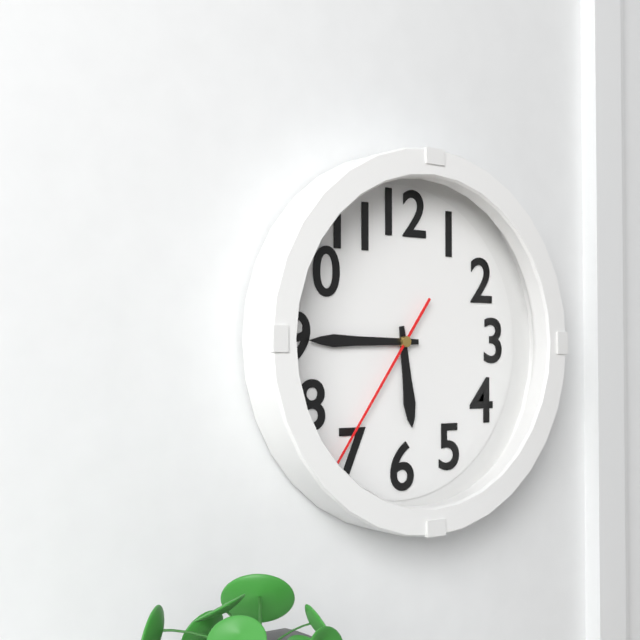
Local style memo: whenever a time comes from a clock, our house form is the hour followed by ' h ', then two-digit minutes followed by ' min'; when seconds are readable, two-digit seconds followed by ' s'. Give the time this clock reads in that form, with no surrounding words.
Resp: 5 h 45 min 36 s
